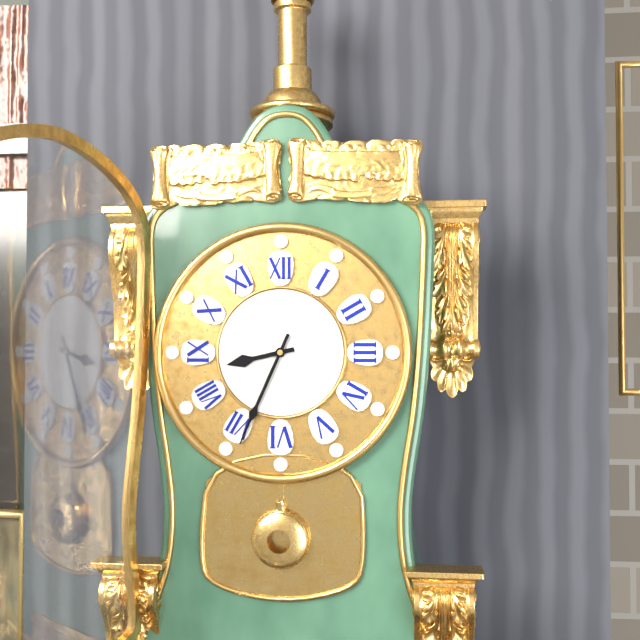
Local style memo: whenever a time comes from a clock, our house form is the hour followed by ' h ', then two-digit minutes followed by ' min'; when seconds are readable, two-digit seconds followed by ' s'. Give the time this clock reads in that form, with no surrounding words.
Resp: 8 h 34 min
